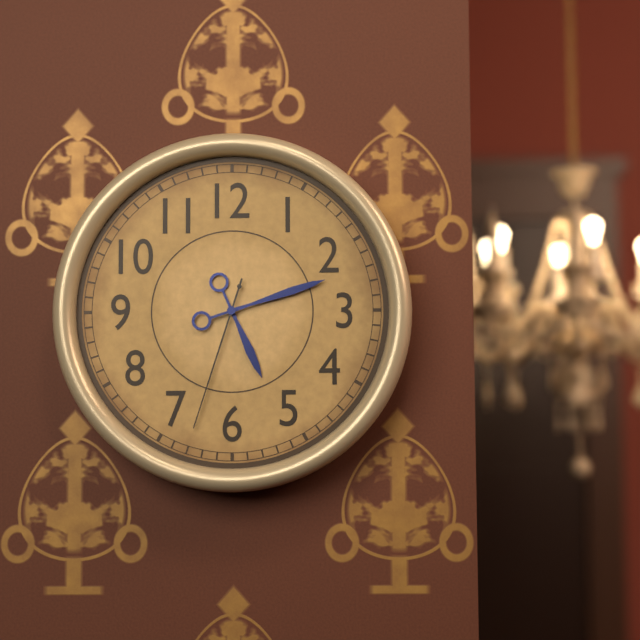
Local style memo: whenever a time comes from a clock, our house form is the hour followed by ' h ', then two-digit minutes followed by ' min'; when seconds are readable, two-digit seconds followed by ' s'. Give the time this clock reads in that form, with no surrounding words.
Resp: 5 h 12 min 33 s
